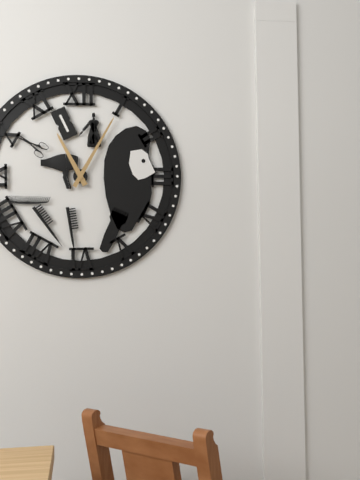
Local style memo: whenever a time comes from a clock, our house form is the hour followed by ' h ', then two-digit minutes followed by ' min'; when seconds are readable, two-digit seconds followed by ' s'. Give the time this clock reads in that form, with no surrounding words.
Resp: 11 h 05 min
